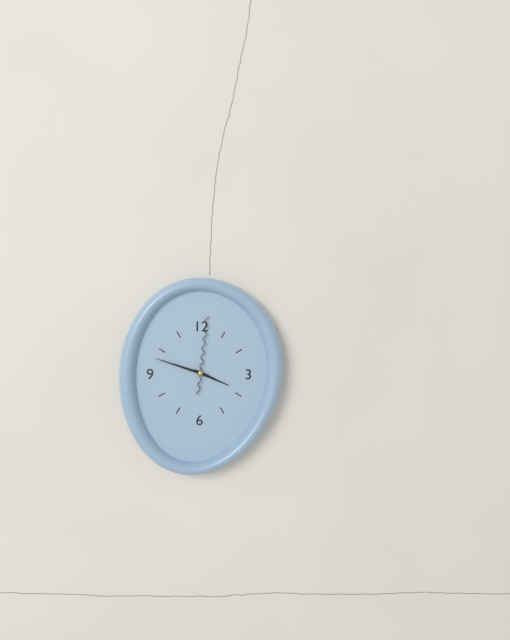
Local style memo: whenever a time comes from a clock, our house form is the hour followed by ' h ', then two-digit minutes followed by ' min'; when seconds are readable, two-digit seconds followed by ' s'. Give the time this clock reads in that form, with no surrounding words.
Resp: 3 h 48 min 01 s
